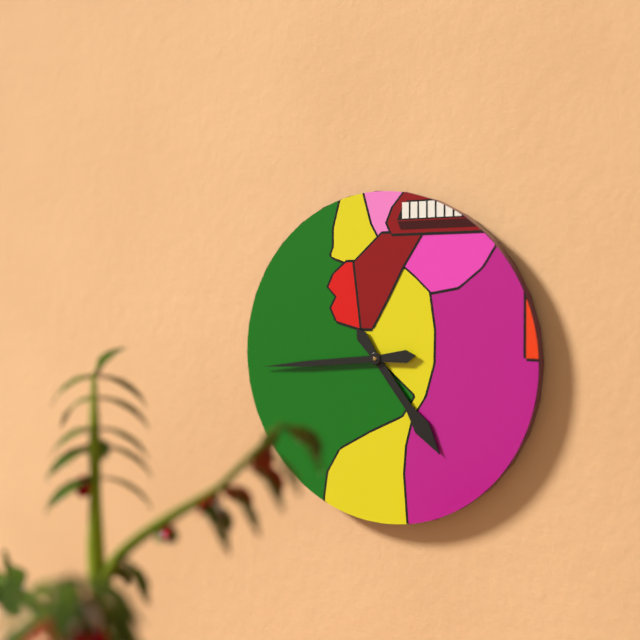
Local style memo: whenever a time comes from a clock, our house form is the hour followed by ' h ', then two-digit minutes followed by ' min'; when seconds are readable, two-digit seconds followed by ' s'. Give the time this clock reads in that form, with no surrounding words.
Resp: 4 h 44 min
